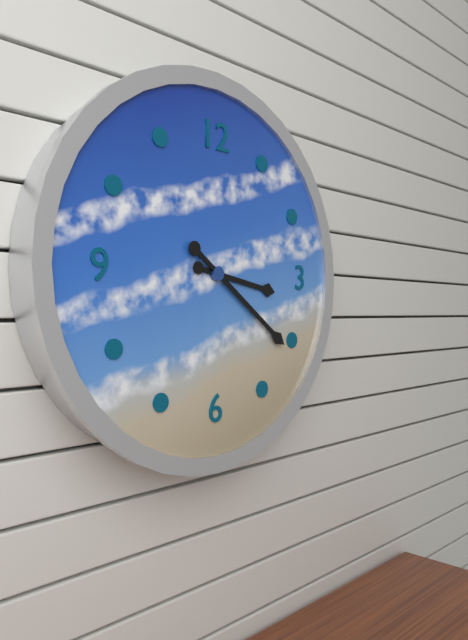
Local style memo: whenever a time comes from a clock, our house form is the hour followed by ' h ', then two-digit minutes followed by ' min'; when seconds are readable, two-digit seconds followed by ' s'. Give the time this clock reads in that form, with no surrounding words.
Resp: 3 h 21 min
